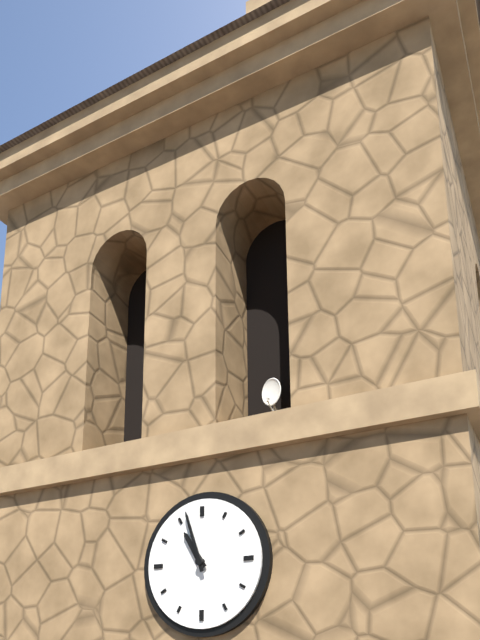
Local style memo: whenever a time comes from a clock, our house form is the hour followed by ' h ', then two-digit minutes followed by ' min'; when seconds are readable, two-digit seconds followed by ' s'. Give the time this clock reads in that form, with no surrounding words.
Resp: 10 h 57 min
